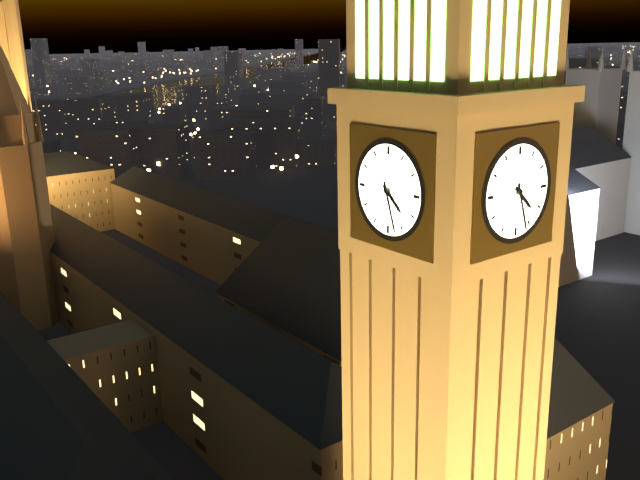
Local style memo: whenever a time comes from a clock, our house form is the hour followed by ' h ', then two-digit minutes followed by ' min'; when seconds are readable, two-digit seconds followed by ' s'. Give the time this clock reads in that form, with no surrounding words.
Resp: 4 h 27 min
